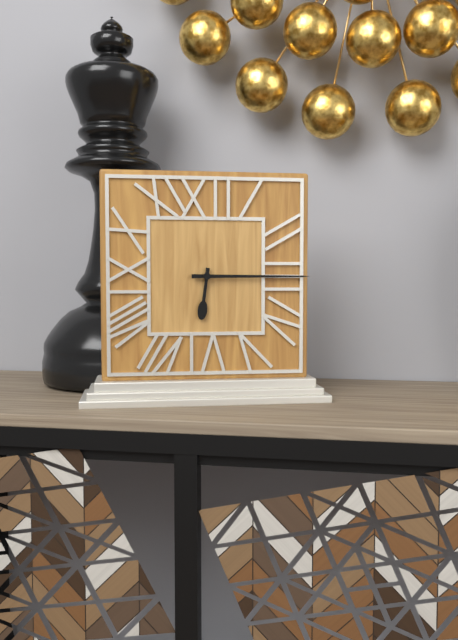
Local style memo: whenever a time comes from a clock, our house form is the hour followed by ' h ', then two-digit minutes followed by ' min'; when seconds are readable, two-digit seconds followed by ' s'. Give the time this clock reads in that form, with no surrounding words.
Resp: 6 h 15 min
